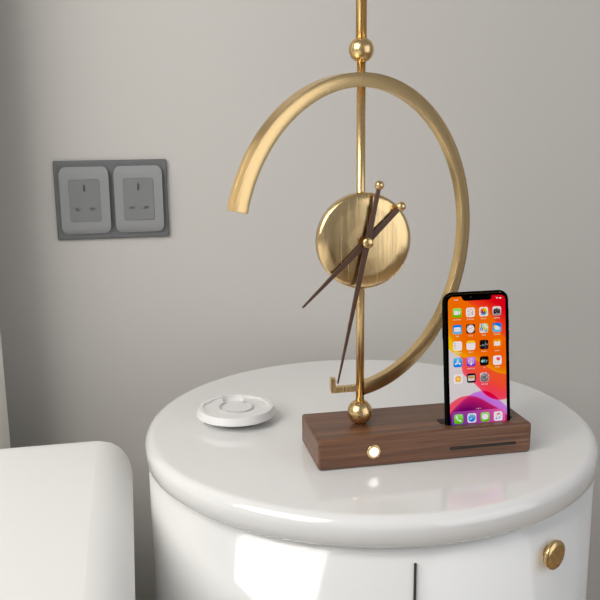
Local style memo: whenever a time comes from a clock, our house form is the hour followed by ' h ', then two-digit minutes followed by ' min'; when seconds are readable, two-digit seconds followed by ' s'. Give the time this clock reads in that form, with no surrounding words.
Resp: 7 h 32 min
